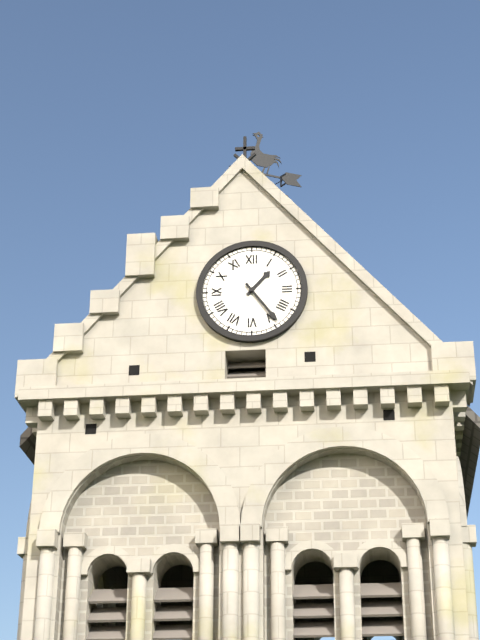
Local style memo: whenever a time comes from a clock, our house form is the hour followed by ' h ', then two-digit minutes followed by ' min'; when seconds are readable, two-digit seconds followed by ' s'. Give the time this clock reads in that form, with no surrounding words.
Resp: 1 h 24 min
